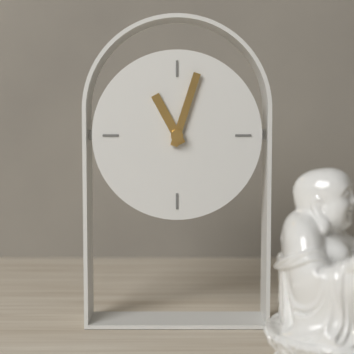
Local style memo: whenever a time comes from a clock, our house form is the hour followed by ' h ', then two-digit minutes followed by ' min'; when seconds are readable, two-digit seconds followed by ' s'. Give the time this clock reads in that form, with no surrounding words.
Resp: 11 h 03 min
